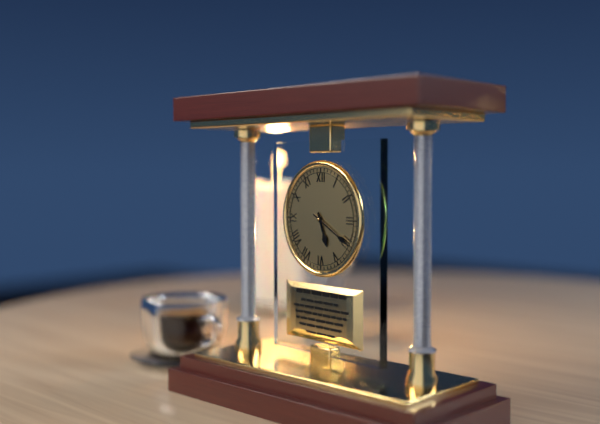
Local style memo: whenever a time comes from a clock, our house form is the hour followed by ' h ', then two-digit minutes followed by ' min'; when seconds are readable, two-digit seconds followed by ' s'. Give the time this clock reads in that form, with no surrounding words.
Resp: 5 h 20 min
